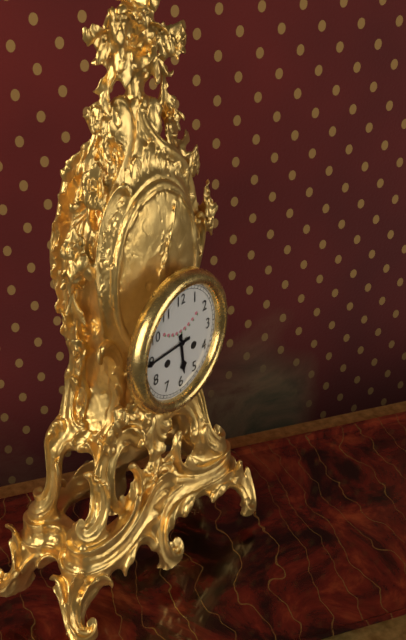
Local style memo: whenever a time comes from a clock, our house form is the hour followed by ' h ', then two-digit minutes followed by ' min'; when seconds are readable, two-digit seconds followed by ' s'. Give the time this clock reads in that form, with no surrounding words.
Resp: 5 h 45 min
